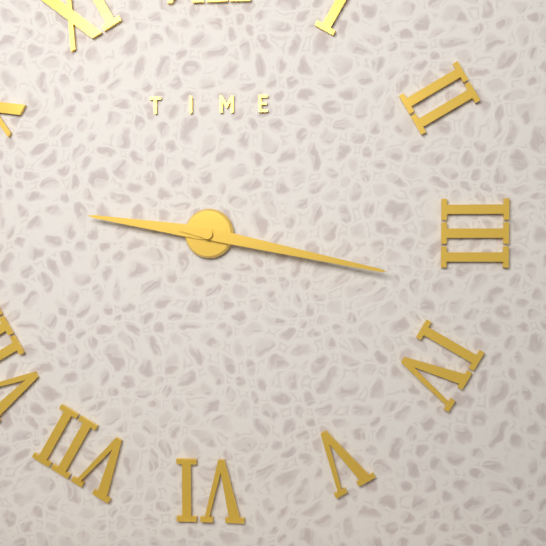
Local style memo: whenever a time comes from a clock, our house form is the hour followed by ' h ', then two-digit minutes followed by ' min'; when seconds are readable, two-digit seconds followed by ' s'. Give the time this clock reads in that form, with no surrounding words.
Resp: 9 h 17 min
